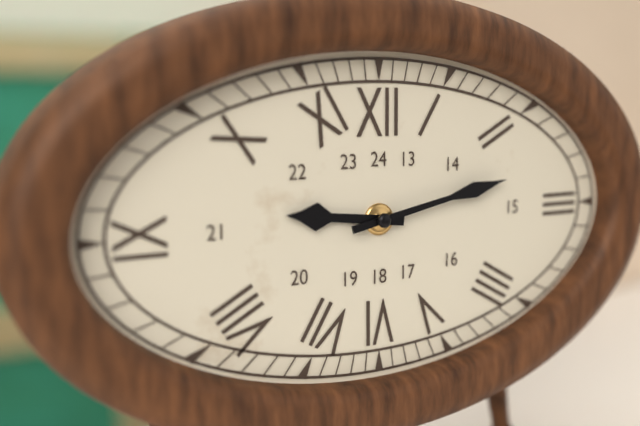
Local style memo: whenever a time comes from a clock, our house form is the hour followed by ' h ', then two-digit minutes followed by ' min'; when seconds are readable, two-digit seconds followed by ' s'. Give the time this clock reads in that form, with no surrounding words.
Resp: 9 h 13 min
